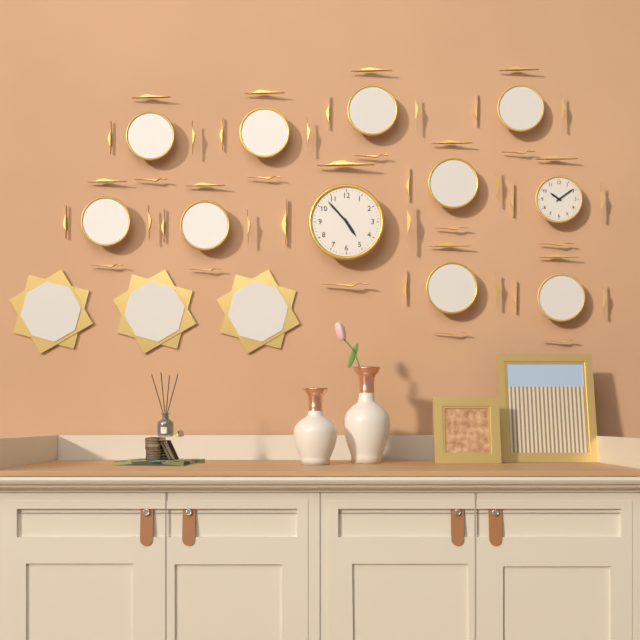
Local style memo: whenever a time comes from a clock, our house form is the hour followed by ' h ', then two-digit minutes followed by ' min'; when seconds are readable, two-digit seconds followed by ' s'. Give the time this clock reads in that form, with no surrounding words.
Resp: 4 h 53 min
